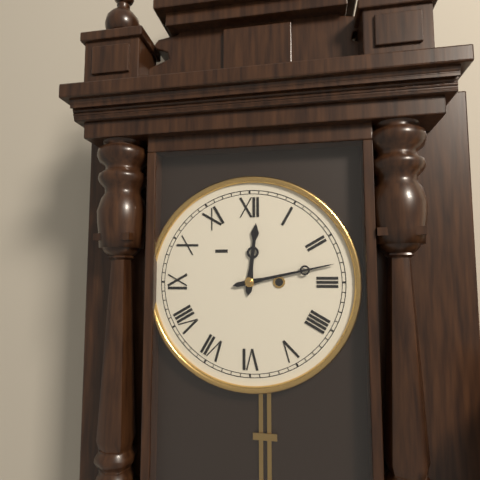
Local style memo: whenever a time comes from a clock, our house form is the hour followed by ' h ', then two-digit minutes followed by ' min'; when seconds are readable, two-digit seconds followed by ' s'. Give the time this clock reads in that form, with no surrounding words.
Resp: 12 h 13 min
